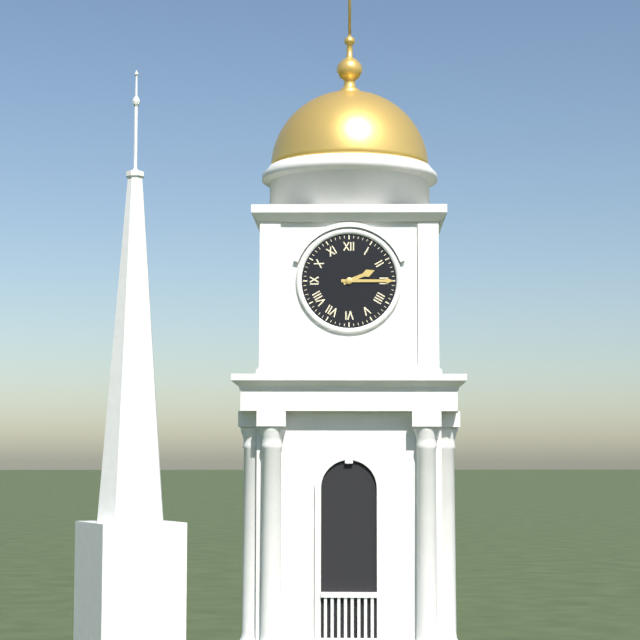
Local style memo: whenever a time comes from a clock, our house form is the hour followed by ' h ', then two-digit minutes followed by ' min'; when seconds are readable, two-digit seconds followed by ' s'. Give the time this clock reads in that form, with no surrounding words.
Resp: 2 h 15 min
